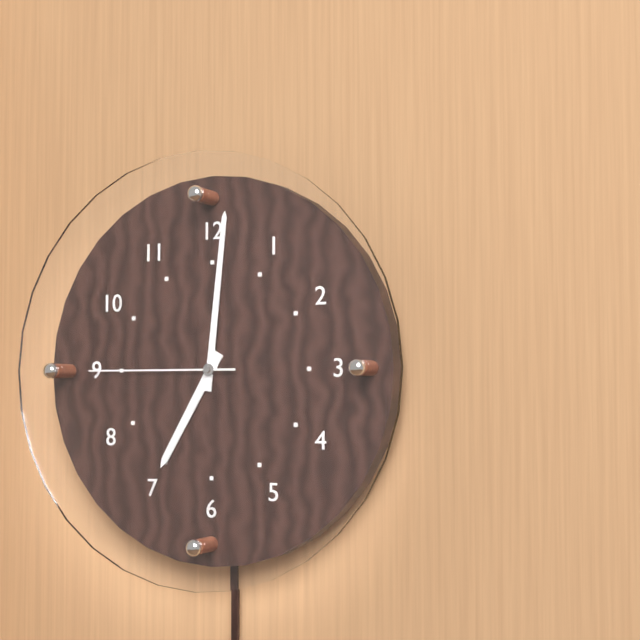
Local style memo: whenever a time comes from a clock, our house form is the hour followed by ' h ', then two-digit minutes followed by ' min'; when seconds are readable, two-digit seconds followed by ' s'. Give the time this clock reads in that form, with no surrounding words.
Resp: 7 h 01 min 45 s
